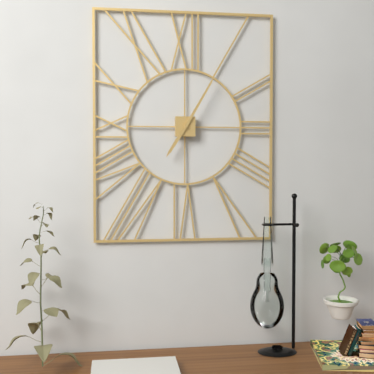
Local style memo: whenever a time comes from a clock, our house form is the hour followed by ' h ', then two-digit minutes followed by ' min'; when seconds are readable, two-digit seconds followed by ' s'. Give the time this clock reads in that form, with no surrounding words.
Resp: 7 h 05 min
